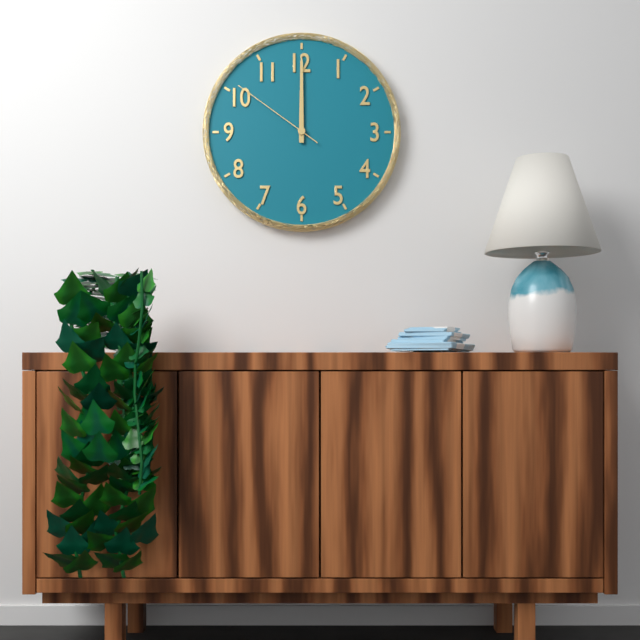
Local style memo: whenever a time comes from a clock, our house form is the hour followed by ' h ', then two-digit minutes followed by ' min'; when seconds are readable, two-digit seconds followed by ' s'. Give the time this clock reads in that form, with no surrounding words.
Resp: 12 h 00 min 51 s
